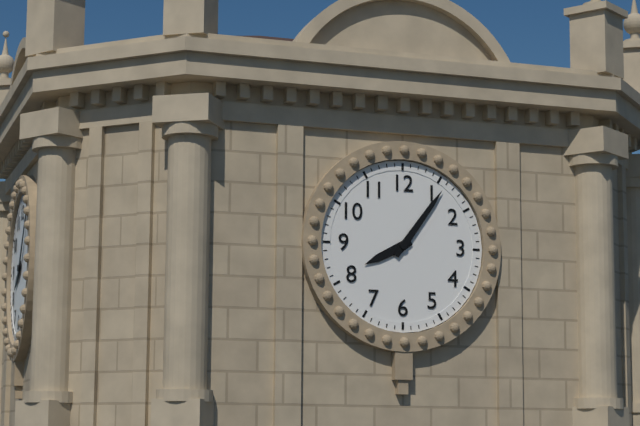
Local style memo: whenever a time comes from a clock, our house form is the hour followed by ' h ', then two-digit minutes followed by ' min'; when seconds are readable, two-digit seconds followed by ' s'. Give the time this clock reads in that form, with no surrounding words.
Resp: 8 h 06 min
